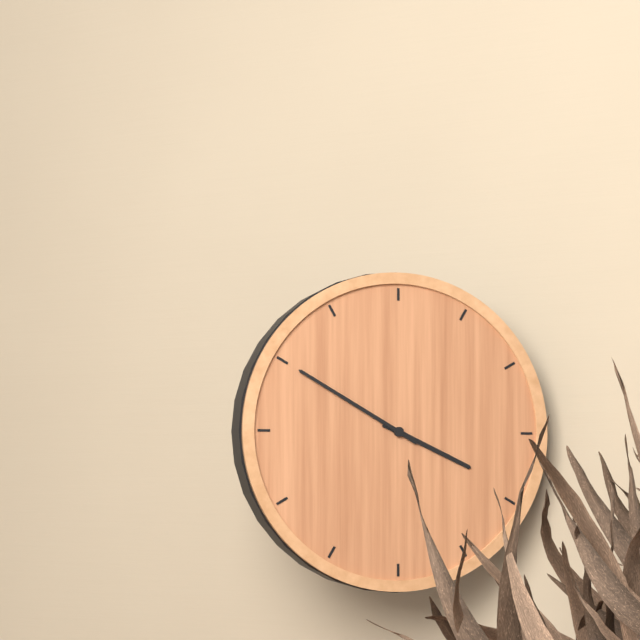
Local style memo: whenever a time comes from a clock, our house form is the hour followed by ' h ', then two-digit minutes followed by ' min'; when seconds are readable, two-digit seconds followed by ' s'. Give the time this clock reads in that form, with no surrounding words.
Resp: 3 h 50 min
